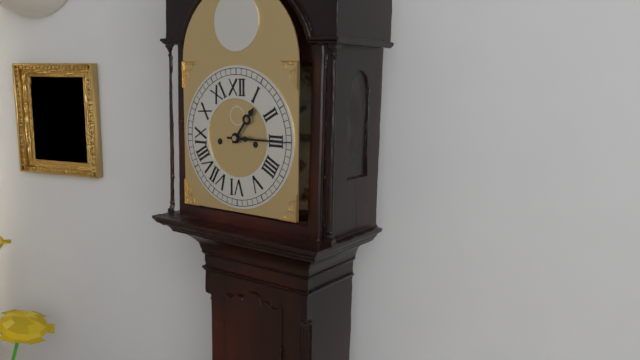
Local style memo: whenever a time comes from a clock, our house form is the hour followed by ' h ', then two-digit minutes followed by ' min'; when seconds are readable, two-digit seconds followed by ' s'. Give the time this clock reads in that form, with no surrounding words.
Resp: 1 h 15 min
